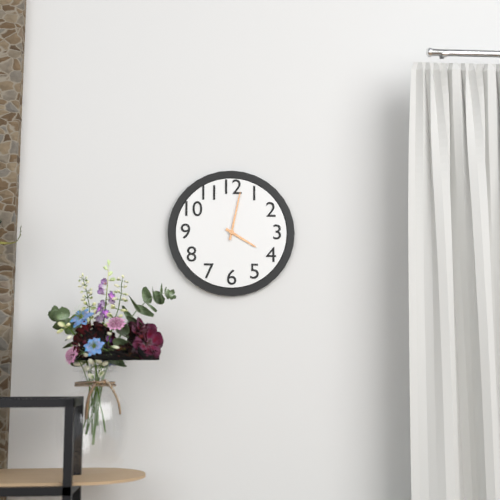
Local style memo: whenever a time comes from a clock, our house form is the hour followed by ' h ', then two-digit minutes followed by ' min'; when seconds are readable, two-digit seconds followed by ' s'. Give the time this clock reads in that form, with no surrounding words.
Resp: 4 h 02 min
